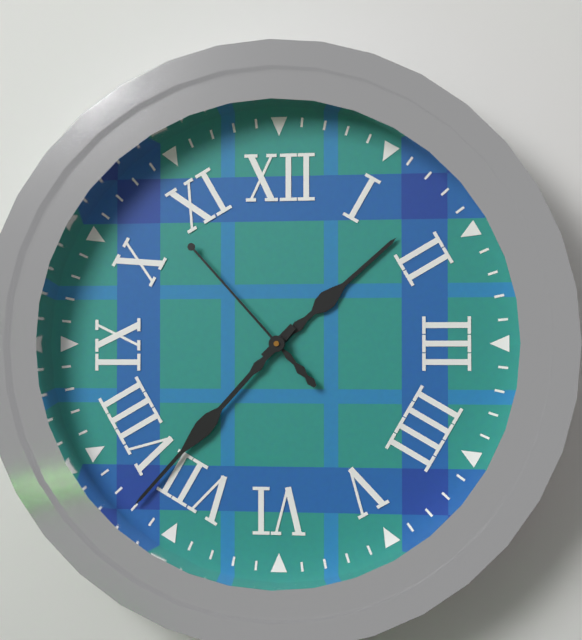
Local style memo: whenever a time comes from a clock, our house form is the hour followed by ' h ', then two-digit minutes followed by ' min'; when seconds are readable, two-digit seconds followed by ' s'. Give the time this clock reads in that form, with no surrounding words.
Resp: 1 h 37 min 53 s
